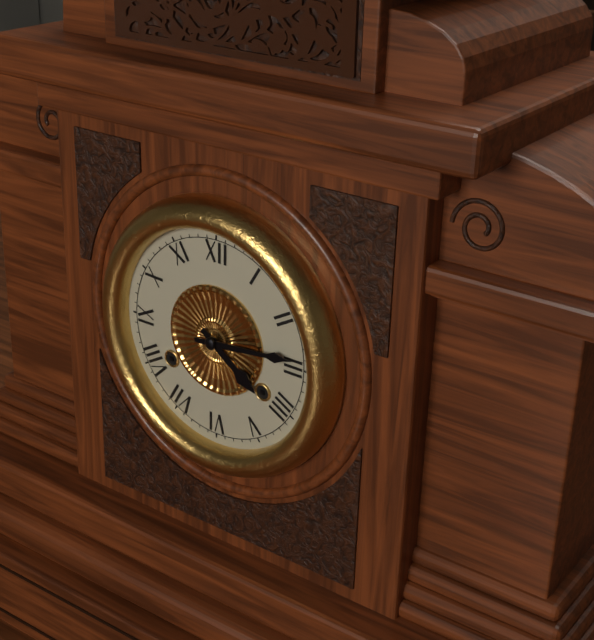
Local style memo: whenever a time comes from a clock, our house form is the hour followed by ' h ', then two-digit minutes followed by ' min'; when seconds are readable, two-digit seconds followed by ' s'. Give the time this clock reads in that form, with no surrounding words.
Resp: 4 h 14 min
